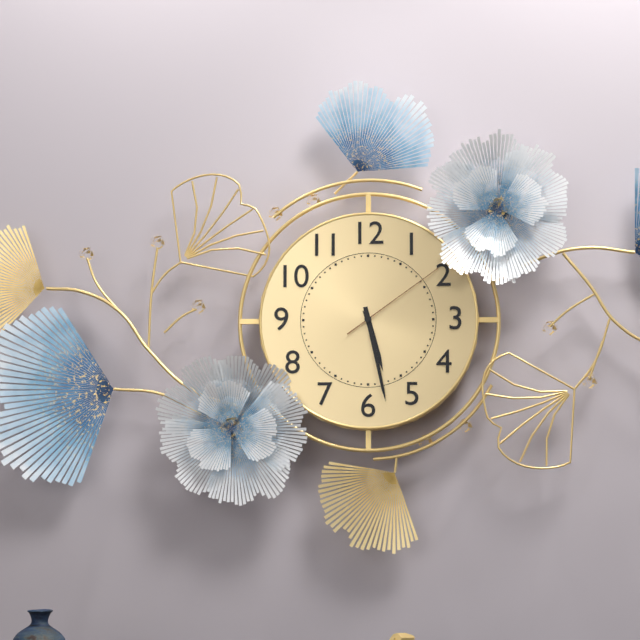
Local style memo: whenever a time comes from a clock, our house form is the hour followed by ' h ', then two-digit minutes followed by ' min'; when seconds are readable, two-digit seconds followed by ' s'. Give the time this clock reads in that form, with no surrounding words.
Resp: 5 h 28 min 09 s
